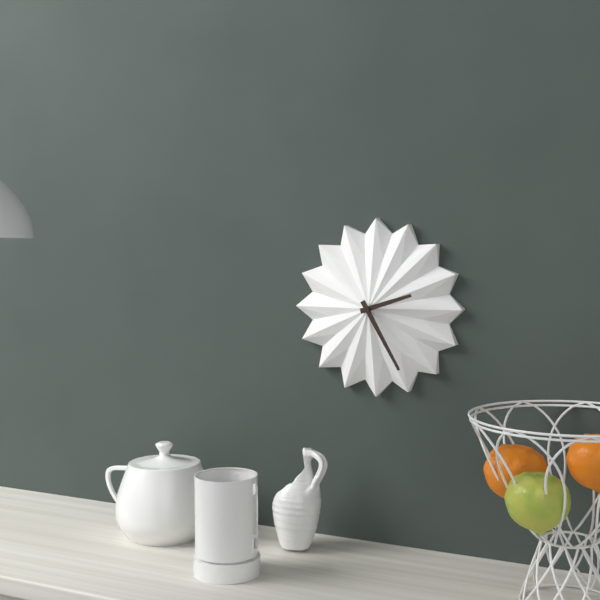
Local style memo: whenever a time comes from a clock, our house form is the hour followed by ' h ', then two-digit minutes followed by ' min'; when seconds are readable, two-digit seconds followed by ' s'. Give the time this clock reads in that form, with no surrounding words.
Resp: 2 h 25 min
